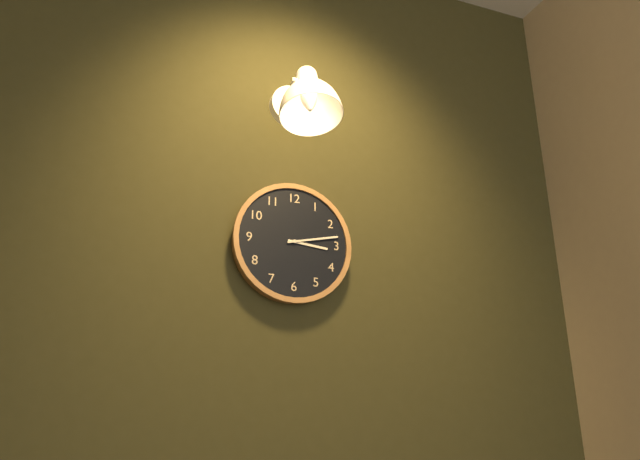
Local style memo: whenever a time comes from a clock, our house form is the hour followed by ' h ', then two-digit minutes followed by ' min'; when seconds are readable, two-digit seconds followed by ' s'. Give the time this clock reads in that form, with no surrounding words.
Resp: 3 h 13 min
